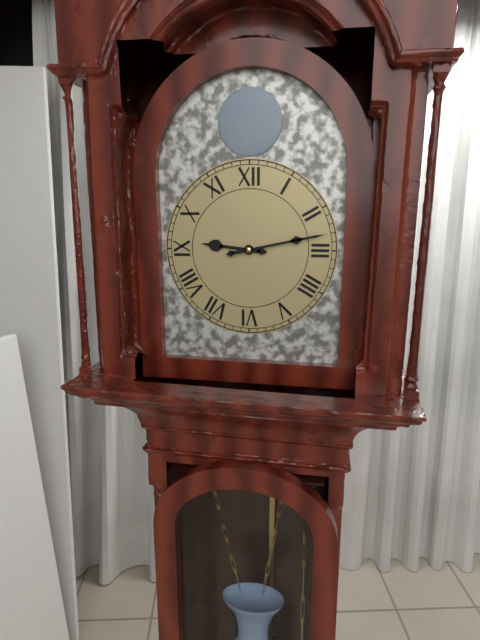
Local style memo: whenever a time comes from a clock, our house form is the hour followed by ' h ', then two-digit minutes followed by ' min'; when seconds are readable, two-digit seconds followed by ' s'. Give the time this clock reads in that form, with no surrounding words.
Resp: 9 h 13 min
